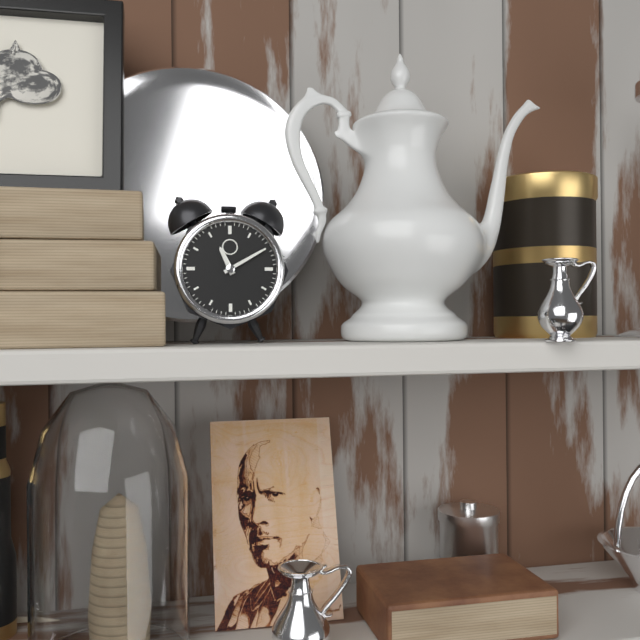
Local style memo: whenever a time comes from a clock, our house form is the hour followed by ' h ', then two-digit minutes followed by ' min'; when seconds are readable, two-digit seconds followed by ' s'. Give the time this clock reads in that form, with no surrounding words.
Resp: 11 h 10 min
